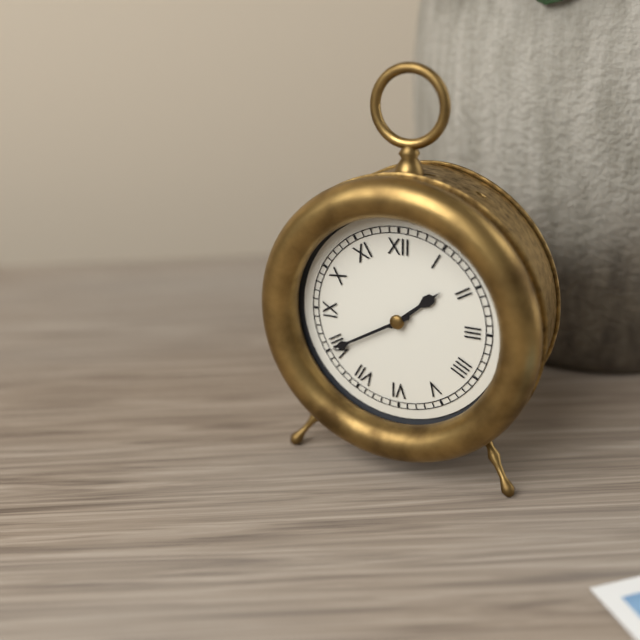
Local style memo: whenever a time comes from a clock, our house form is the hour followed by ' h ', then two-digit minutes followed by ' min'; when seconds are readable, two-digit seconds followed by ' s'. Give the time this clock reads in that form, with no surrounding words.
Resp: 1 h 40 min
